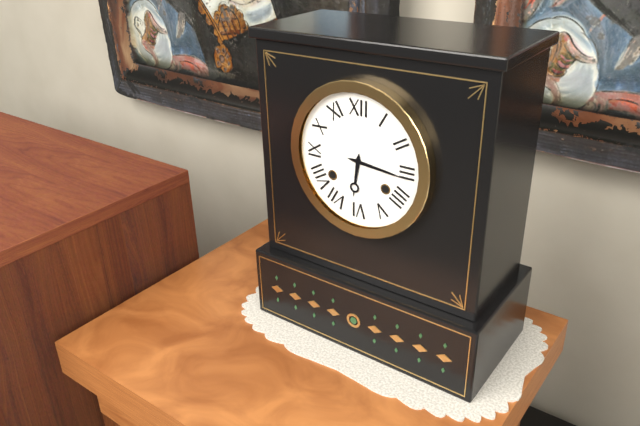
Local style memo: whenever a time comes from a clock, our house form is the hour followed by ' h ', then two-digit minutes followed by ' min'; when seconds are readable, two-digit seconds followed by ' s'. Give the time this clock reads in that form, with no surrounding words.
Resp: 6 h 16 min
